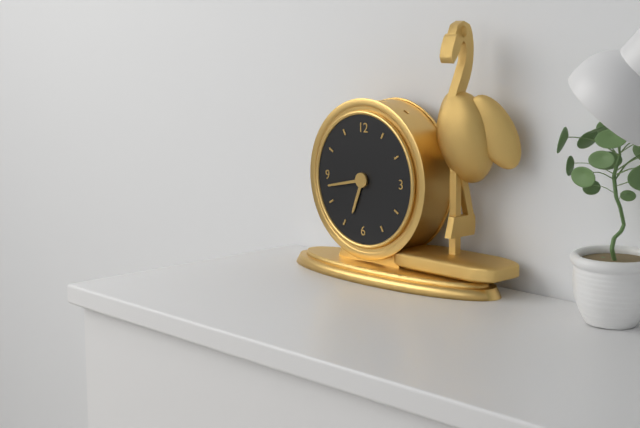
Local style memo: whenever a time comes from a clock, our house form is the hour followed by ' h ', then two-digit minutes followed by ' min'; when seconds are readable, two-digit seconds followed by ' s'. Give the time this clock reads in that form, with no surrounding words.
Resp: 6 h 43 min
